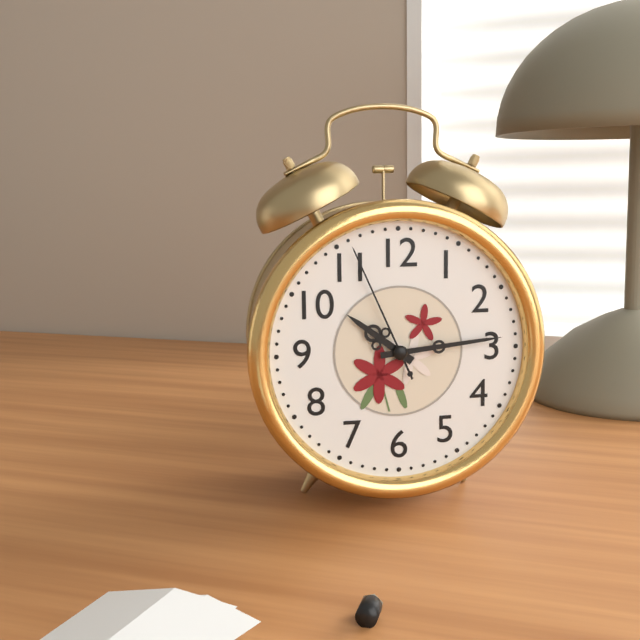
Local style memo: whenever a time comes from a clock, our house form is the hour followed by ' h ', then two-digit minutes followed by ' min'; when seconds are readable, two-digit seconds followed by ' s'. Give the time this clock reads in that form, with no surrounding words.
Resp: 10 h 14 min 56 s
